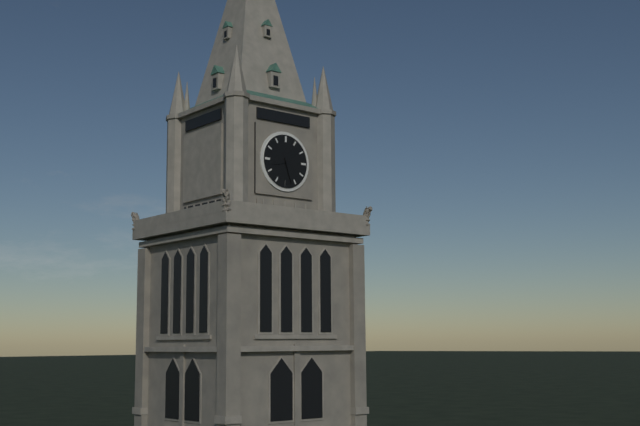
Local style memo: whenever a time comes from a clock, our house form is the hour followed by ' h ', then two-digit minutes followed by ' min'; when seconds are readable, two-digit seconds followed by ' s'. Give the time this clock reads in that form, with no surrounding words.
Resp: 8 h 27 min
